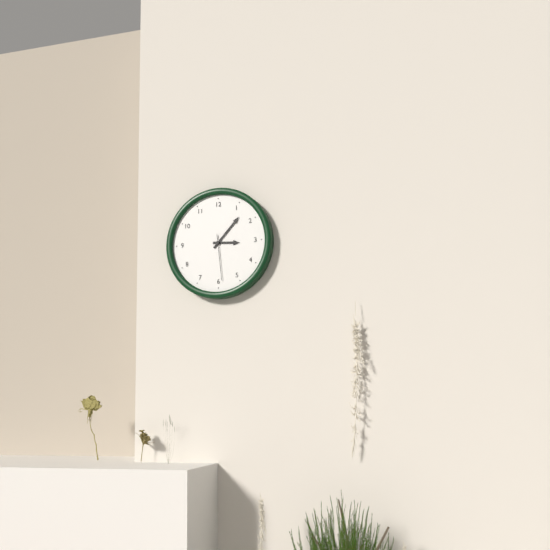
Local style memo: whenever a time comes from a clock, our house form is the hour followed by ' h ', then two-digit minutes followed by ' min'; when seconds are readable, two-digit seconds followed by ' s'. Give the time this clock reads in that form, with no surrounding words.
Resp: 3 h 07 min
